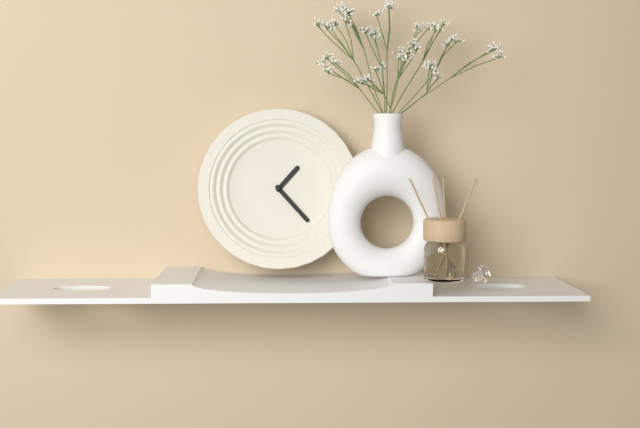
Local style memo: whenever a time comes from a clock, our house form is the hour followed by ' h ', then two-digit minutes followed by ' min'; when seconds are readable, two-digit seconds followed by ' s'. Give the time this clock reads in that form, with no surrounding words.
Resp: 1 h 23 min
